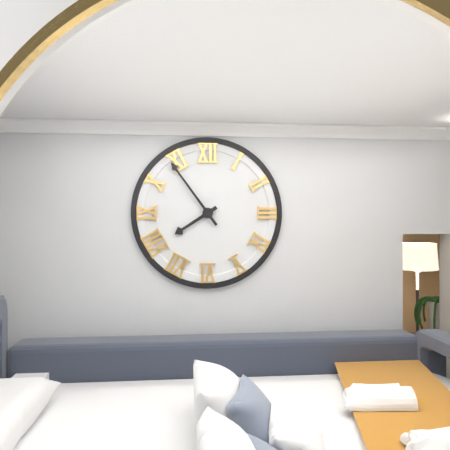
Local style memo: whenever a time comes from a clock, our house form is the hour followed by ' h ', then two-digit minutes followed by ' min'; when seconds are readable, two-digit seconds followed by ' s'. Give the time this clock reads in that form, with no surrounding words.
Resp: 7 h 54 min
